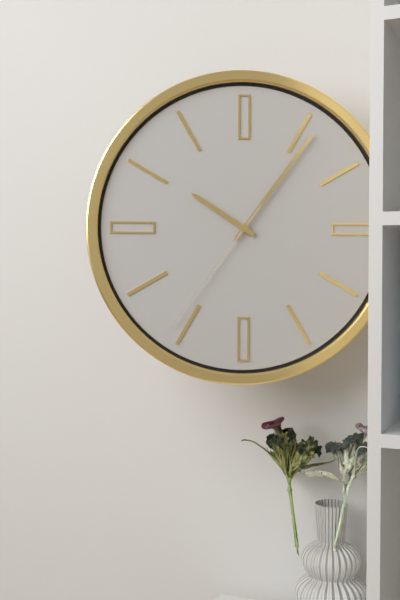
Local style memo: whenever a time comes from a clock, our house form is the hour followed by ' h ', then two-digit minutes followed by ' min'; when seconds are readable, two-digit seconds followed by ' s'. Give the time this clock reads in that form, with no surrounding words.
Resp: 10 h 06 min 36 s
